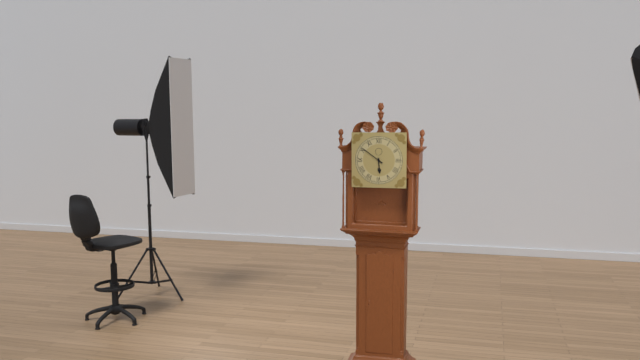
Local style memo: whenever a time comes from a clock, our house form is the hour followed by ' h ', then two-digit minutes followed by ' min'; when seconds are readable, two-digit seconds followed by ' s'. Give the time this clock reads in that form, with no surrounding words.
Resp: 5 h 51 min
